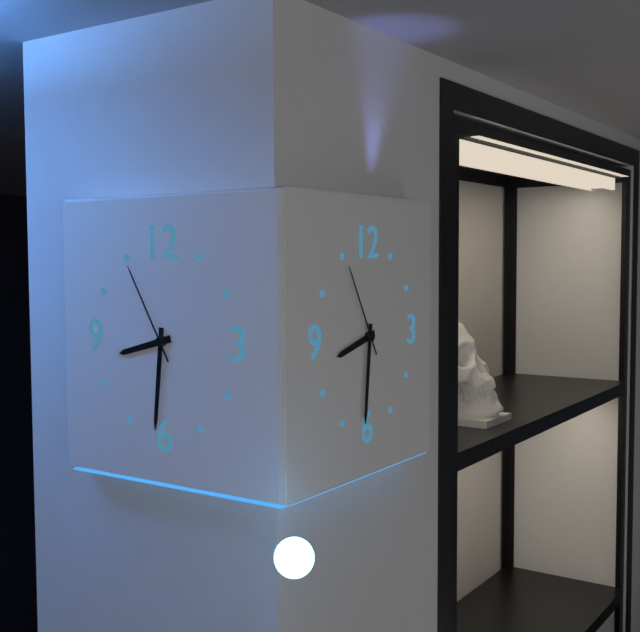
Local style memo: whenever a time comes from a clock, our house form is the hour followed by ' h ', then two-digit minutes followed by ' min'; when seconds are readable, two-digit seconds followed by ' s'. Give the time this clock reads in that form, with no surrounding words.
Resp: 8 h 31 min 55 s
